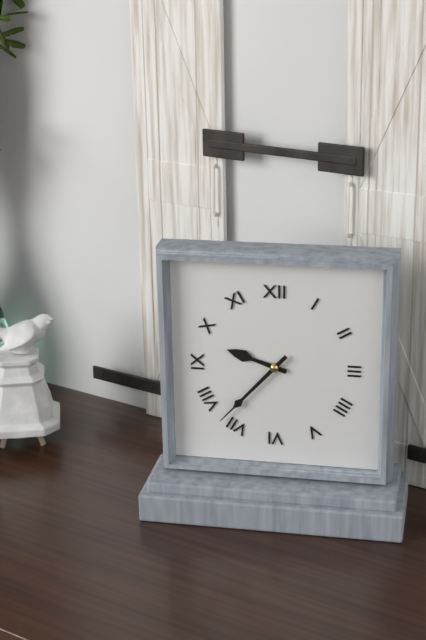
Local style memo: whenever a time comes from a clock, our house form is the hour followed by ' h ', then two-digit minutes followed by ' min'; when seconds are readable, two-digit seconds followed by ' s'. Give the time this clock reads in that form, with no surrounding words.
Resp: 9 h 37 min
